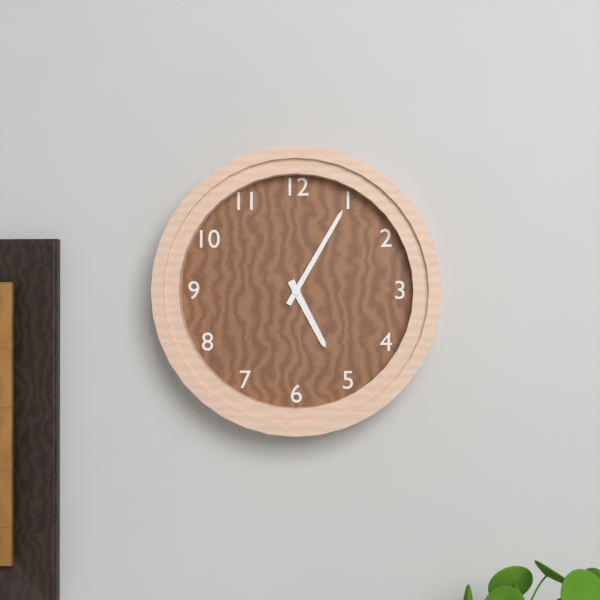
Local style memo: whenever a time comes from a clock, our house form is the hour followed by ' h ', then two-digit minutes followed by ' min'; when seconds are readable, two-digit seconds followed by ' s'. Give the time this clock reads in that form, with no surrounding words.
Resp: 5 h 05 min
